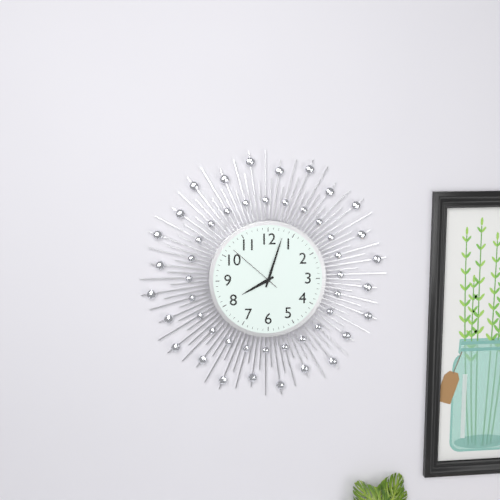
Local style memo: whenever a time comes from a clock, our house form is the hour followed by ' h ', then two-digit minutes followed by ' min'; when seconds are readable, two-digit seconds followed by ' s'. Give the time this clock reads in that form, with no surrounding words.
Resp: 8 h 03 min 52 s
